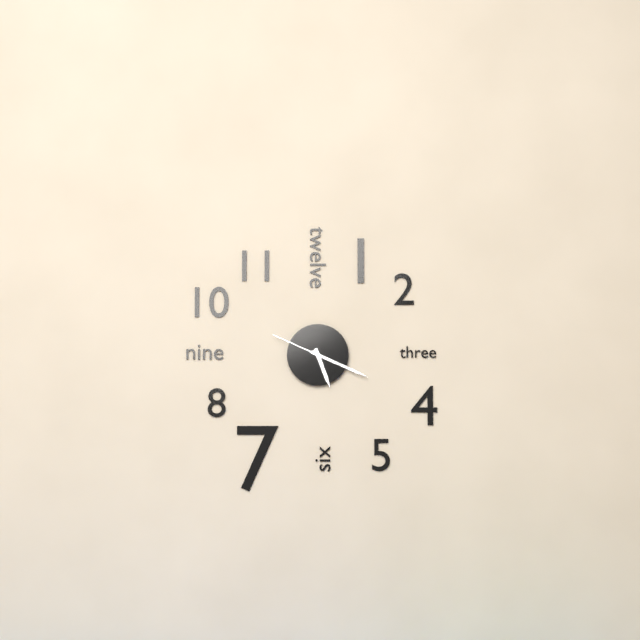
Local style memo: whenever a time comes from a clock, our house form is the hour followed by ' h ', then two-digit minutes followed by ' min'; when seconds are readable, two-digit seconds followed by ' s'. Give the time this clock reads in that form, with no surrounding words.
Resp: 5 h 19 min 49 s
